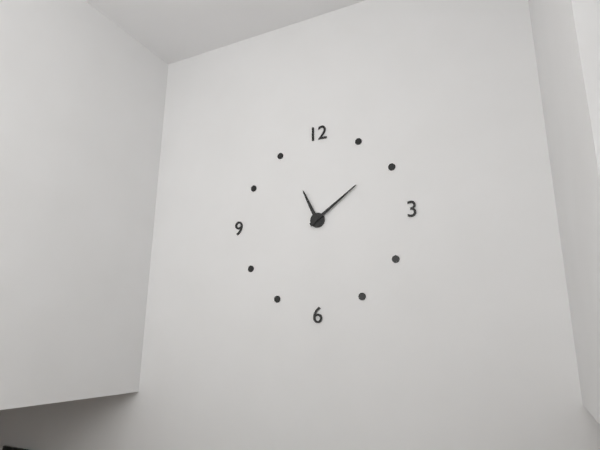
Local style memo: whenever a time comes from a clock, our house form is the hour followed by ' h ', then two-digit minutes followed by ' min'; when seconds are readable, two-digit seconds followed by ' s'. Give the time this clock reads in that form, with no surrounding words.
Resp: 11 h 09 min
